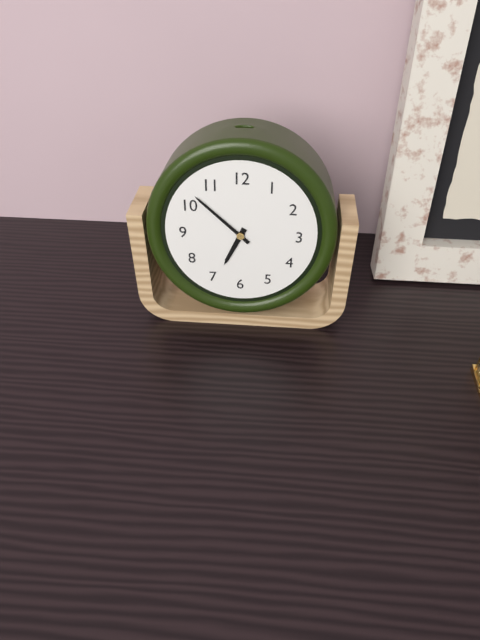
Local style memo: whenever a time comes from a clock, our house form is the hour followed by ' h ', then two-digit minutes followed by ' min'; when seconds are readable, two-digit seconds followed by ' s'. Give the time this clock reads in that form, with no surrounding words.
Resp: 6 h 52 min
